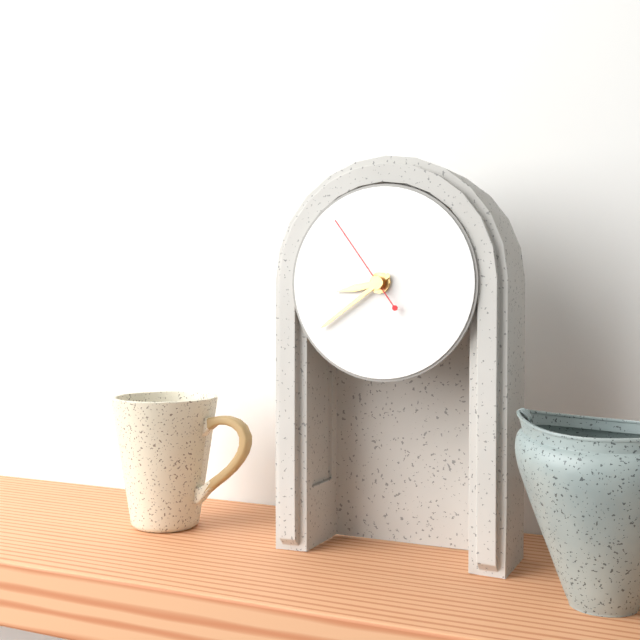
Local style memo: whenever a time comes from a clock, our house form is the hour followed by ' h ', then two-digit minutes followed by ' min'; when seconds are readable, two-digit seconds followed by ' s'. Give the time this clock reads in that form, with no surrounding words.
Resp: 8 h 39 min 54 s
